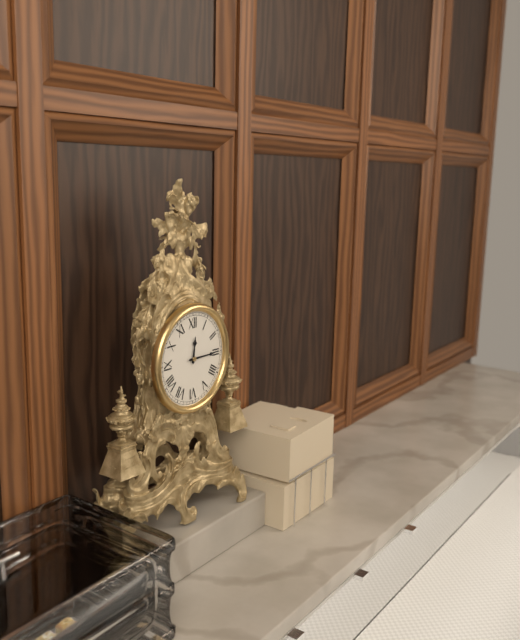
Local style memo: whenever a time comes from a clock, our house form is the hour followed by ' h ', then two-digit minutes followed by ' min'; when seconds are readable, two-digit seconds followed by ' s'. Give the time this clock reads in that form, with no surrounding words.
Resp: 12 h 15 min
